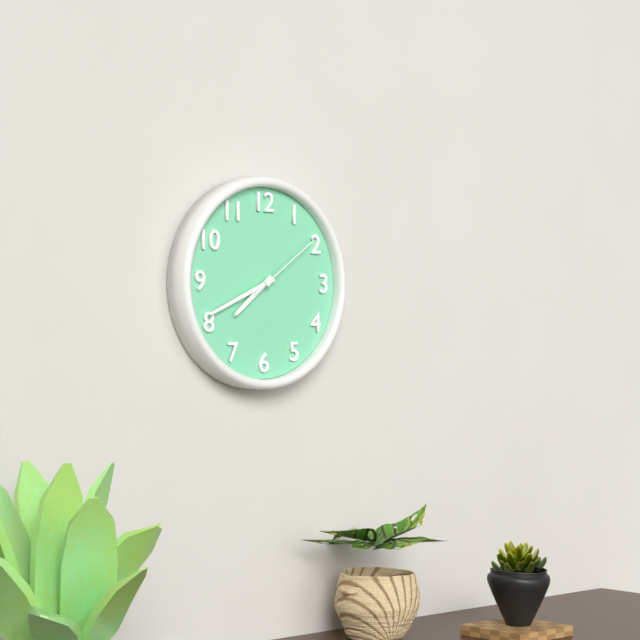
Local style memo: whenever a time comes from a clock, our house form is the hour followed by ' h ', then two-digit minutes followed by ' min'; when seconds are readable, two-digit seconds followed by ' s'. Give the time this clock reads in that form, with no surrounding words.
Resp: 7 h 41 min 09 s
